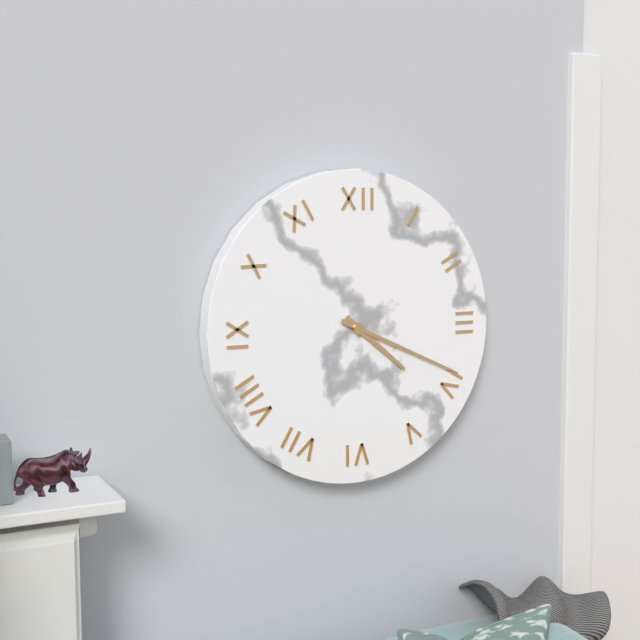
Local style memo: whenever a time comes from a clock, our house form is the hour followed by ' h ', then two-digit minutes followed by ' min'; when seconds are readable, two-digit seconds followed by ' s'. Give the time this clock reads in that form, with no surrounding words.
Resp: 4 h 19 min
